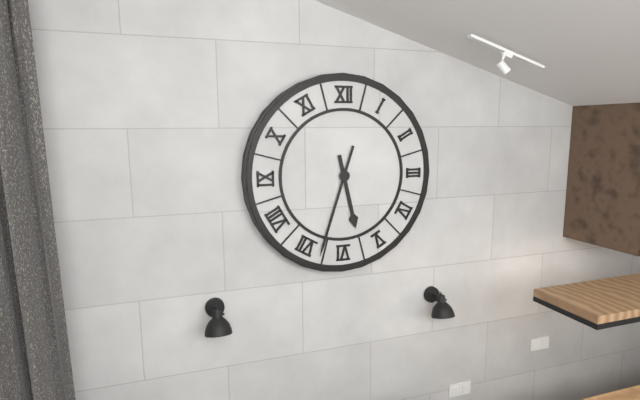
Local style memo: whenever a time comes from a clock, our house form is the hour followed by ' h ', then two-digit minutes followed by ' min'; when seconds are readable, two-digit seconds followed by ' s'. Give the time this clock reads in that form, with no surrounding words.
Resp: 5 h 33 min
